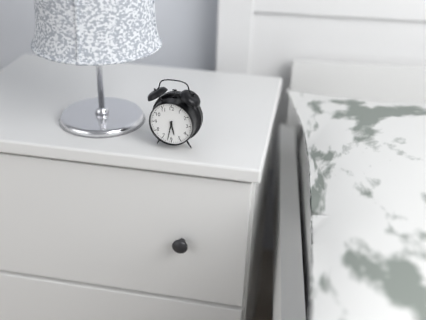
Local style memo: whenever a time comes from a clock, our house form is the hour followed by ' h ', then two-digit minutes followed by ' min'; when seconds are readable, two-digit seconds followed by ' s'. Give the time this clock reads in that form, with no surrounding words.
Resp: 5 h 32 min
